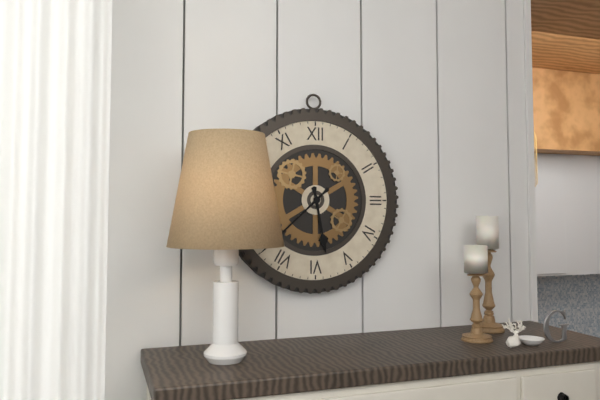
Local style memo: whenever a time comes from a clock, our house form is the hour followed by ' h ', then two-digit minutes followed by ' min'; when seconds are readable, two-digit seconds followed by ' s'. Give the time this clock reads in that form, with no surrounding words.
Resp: 5 h 38 min
